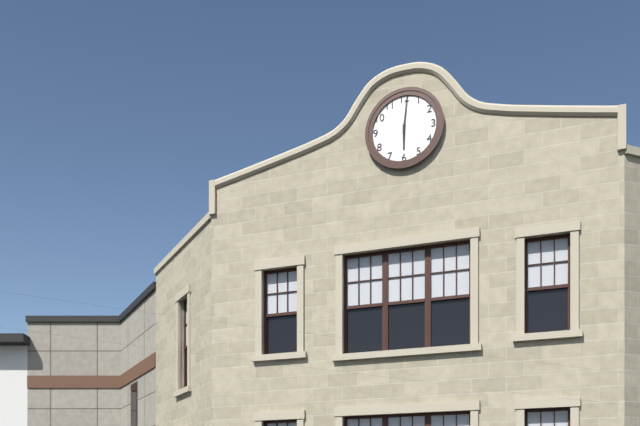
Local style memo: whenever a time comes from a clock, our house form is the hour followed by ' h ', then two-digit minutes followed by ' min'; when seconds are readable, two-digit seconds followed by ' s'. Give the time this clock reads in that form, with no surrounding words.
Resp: 6 h 01 min
